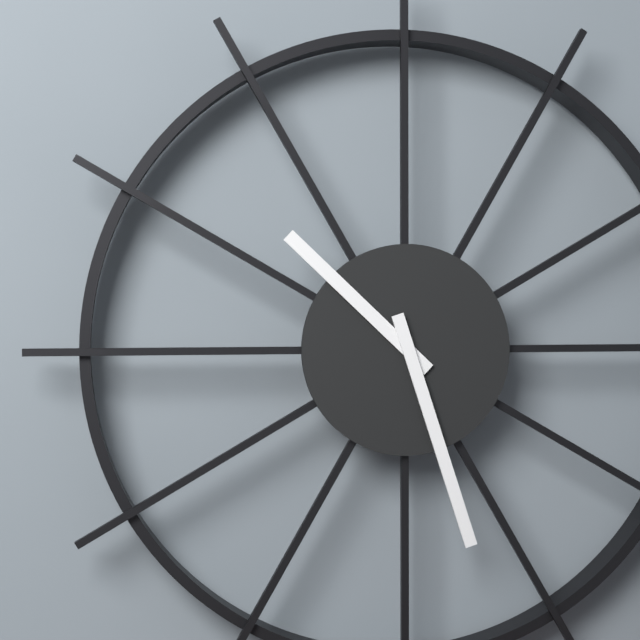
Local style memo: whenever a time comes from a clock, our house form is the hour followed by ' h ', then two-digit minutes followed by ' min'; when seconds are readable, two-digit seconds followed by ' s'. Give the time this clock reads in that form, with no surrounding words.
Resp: 10 h 27 min
